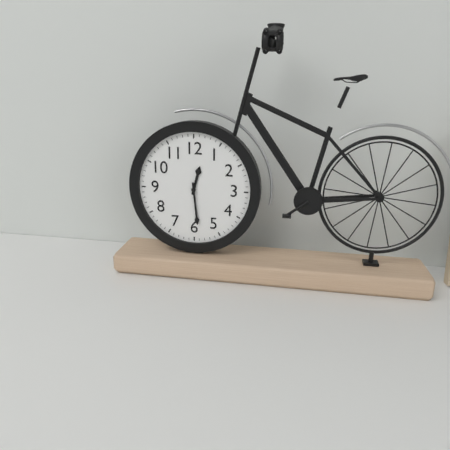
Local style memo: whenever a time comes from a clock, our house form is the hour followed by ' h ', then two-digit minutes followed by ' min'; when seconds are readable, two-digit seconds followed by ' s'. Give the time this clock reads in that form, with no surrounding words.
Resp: 12 h 29 min
